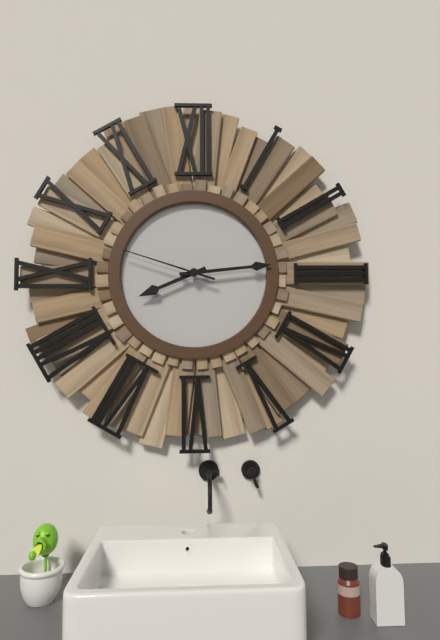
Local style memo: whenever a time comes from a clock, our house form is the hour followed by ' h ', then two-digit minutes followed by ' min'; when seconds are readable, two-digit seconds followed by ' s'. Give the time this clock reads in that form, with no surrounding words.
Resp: 8 h 14 min 48 s
